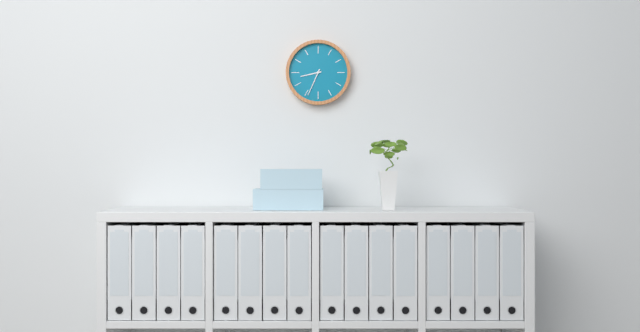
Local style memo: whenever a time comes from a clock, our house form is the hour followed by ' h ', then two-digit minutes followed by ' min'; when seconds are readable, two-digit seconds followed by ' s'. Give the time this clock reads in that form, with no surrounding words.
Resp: 8 h 34 min
